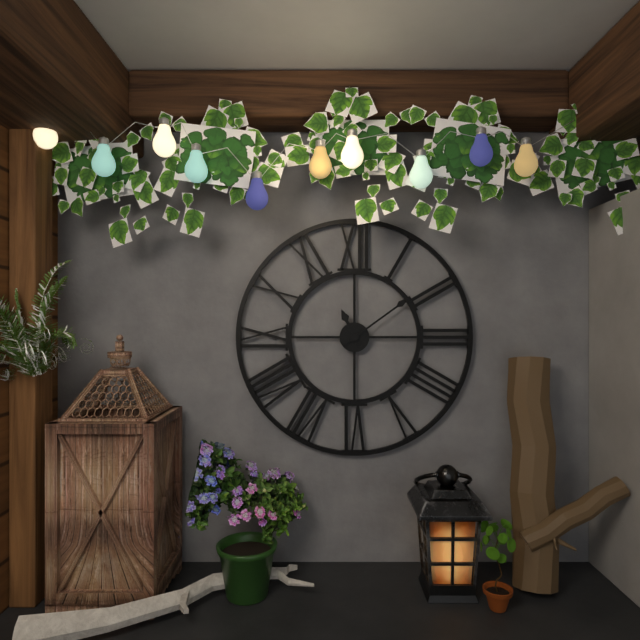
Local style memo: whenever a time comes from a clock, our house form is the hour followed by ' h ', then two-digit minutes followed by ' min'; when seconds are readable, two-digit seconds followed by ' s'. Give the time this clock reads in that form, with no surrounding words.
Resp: 11 h 09 min
